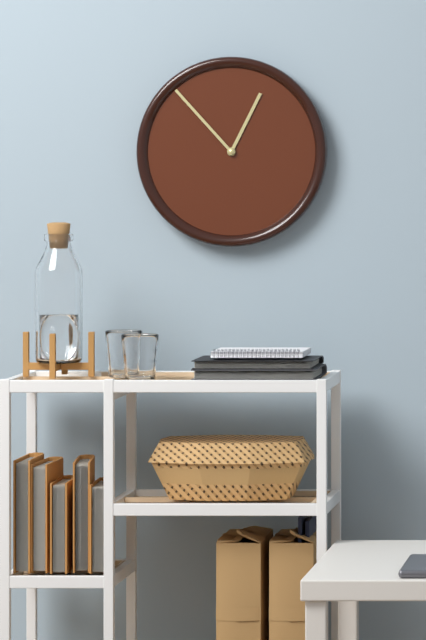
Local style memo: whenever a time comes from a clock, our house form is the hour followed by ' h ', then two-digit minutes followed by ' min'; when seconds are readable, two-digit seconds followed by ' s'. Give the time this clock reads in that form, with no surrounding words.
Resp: 12 h 53 min
